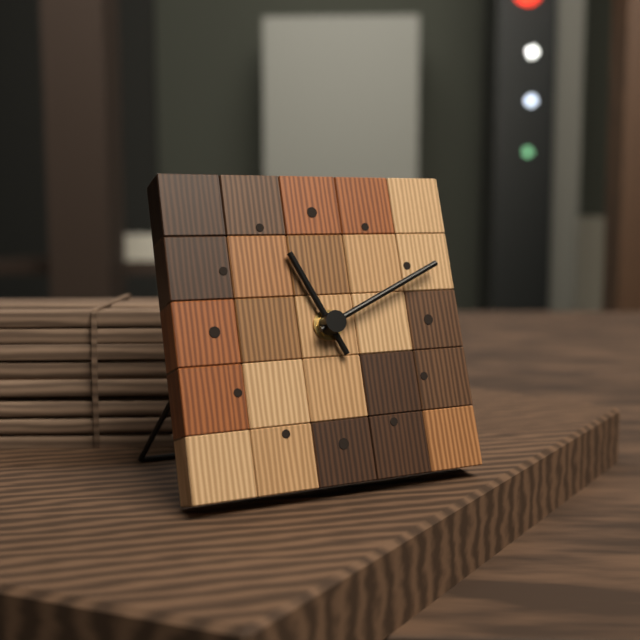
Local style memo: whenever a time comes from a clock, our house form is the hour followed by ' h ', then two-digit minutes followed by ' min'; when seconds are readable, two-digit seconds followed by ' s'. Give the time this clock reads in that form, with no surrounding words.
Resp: 11 h 11 min
